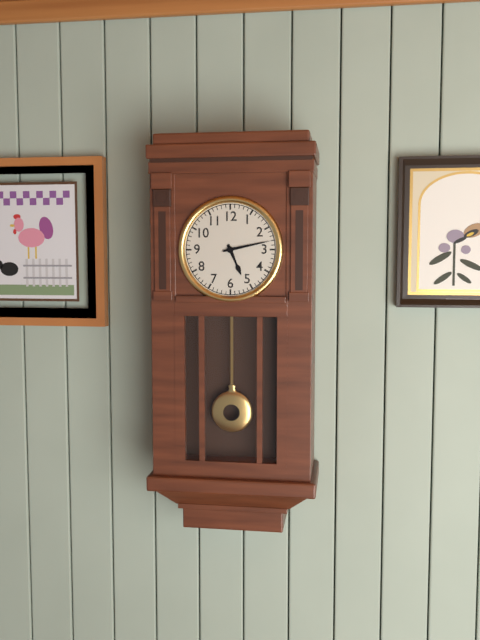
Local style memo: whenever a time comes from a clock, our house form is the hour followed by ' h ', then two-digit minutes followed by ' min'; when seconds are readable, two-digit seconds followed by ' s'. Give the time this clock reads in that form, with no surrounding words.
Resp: 5 h 13 min
